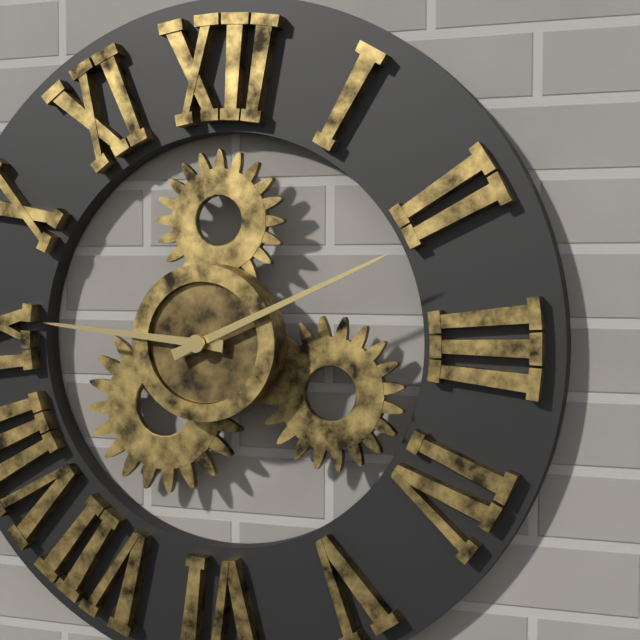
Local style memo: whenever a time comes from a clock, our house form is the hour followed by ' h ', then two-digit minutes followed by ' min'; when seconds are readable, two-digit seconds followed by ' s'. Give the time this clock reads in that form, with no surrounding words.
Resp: 9 h 11 min
